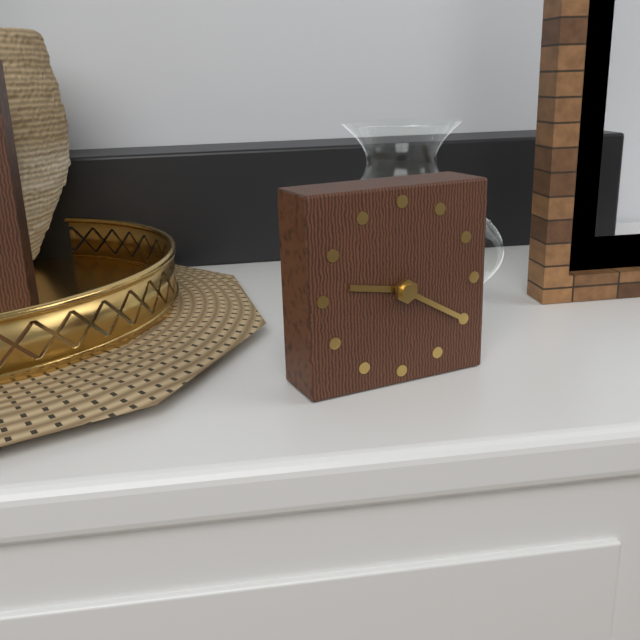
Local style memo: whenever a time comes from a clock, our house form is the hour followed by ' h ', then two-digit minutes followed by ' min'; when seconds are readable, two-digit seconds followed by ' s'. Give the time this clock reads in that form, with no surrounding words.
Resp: 9 h 20 min
